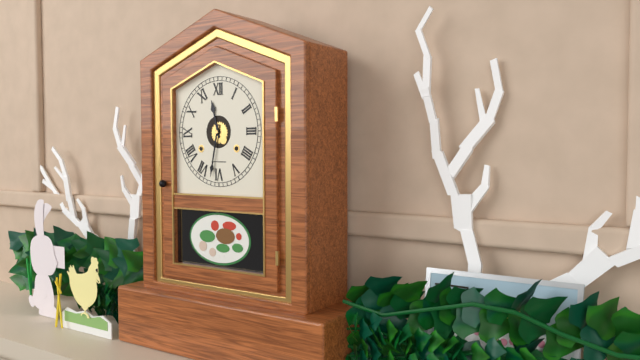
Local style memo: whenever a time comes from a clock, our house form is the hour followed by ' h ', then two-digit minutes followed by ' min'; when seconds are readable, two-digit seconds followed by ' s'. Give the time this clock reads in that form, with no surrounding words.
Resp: 11 h 32 min
